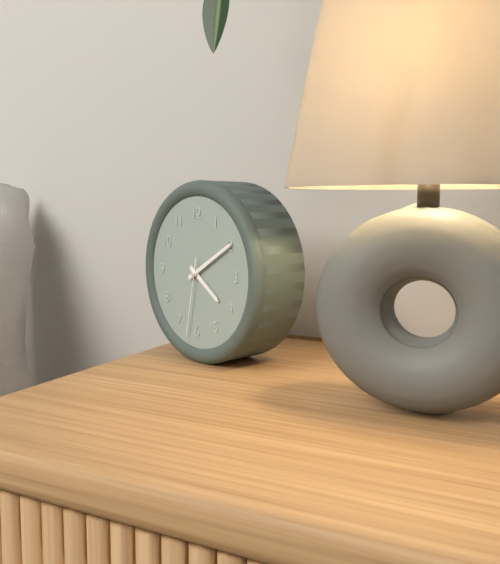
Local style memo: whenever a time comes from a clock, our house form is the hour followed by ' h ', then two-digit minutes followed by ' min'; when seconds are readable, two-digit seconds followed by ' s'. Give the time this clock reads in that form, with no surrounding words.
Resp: 4 h 10 min 32 s
